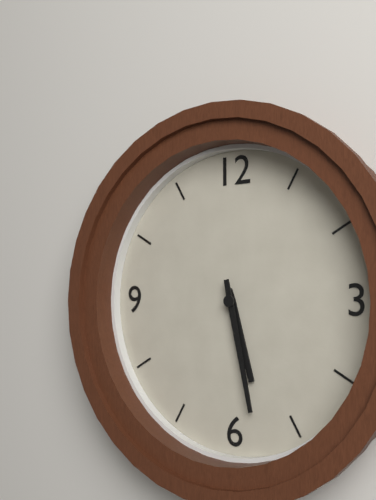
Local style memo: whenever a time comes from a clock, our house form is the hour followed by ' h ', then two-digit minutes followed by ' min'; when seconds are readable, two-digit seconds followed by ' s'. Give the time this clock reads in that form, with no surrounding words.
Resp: 5 h 28 min
